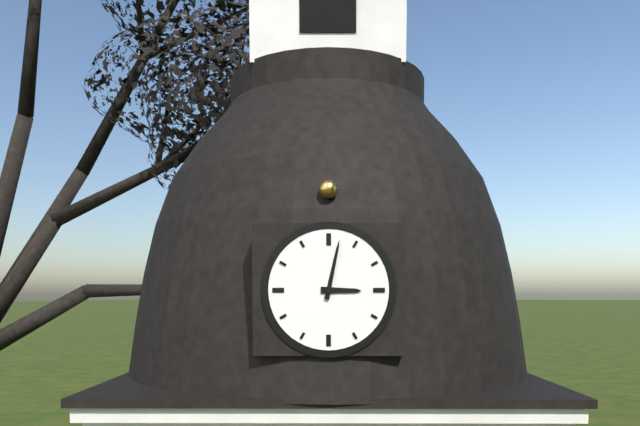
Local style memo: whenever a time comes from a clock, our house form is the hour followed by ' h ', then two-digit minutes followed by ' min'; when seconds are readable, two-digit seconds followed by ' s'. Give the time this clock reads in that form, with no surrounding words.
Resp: 3 h 02 min
